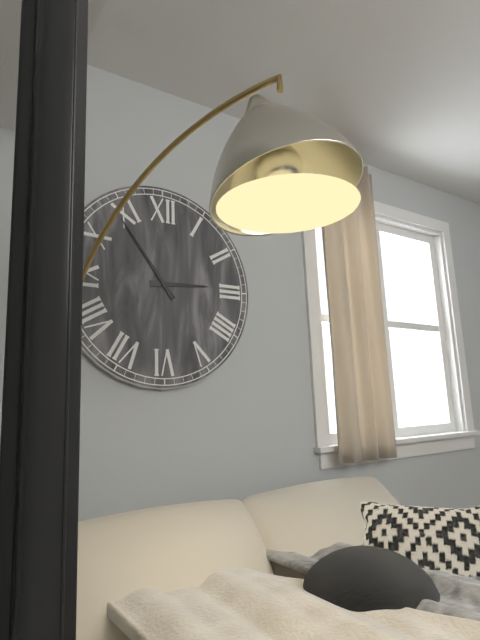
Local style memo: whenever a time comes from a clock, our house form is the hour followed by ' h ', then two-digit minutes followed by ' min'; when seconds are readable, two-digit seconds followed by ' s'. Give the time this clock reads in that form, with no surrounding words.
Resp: 2 h 54 min
